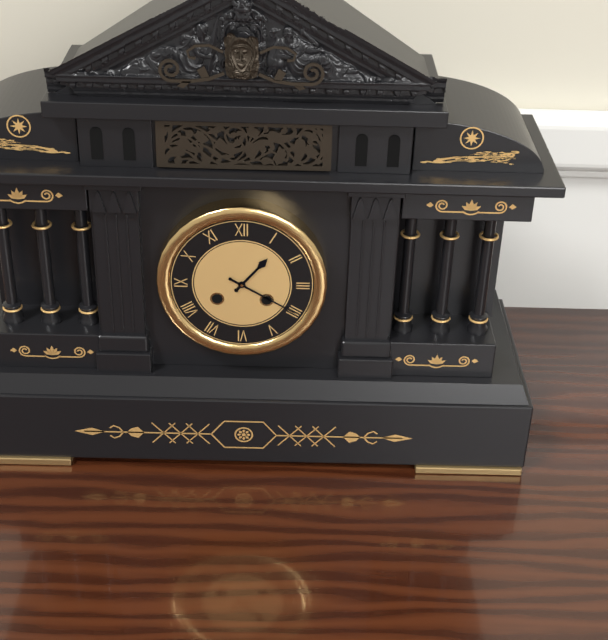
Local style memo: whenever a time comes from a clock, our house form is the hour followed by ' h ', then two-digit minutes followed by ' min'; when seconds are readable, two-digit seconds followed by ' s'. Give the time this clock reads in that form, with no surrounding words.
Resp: 1 h 20 min
